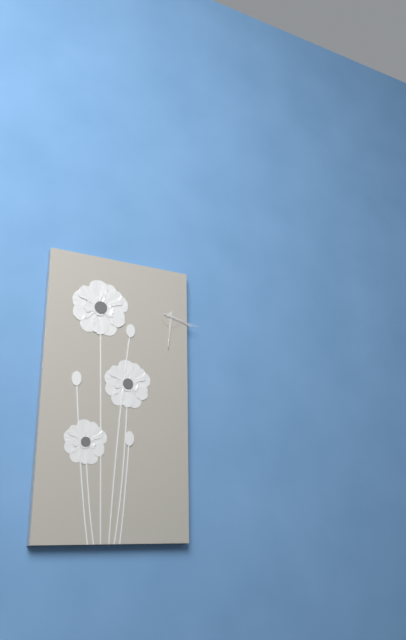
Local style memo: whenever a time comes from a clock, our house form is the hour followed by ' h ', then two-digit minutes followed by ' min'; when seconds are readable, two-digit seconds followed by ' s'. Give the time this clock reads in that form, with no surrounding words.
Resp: 3 h 31 min
